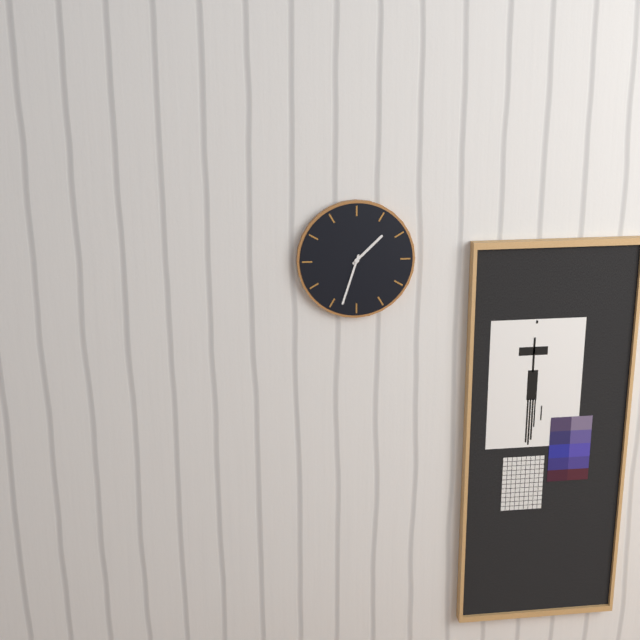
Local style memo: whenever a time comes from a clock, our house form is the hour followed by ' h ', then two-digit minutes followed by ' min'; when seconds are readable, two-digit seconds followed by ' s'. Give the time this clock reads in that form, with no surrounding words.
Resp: 1 h 33 min
